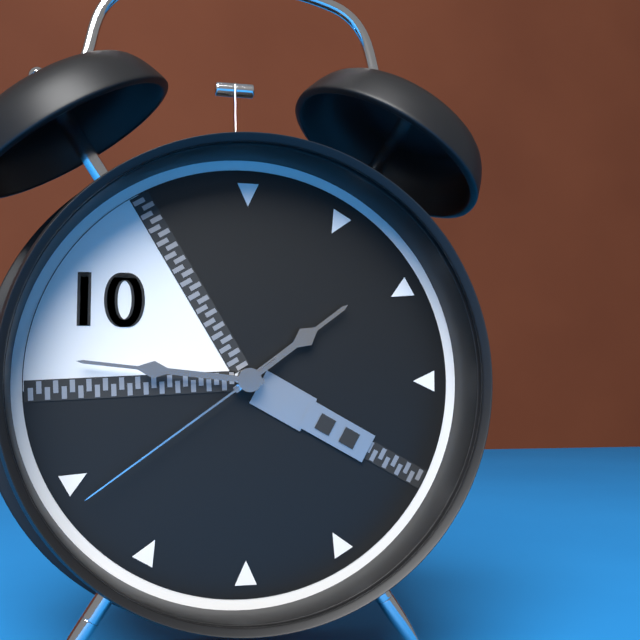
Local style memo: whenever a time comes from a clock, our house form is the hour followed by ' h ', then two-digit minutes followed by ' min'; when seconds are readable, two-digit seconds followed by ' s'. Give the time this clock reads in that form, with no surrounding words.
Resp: 1 h 46 min 39 s
